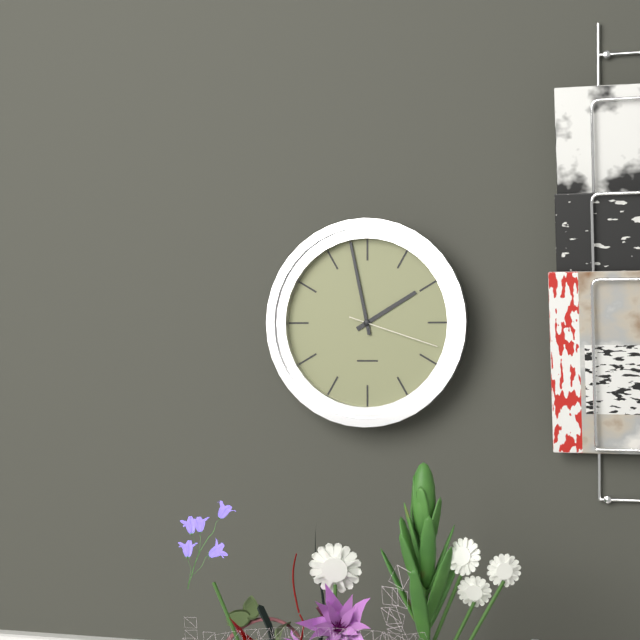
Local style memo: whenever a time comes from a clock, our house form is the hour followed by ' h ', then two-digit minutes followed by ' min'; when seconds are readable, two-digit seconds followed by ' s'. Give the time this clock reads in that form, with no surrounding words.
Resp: 1 h 58 min 18 s
